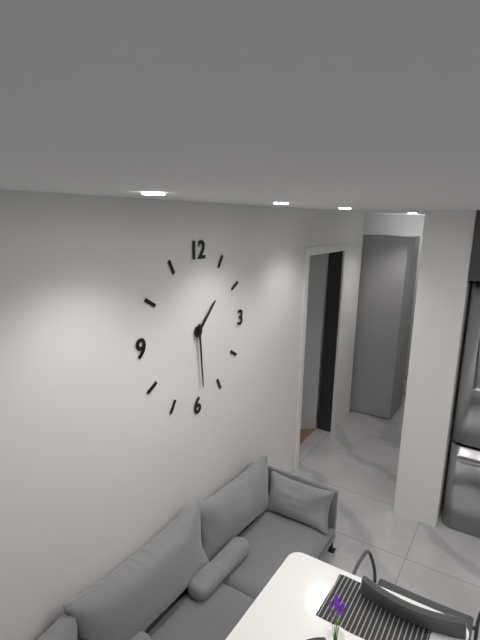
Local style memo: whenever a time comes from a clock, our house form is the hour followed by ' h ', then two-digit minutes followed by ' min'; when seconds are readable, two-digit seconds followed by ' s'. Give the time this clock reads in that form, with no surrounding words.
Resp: 1 h 29 min
